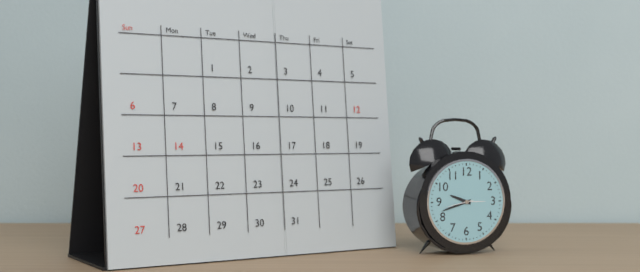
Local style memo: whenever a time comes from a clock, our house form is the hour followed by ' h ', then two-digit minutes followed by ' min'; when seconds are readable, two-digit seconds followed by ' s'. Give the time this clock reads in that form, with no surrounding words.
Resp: 9 h 42 min
